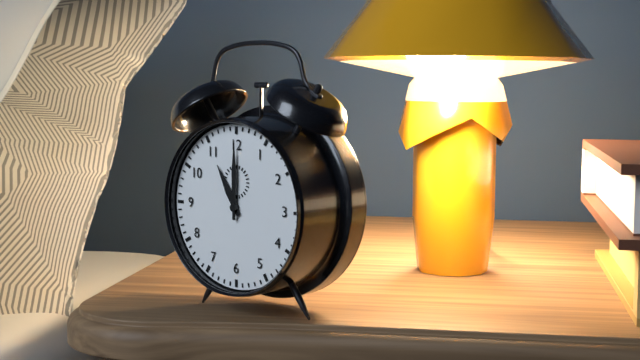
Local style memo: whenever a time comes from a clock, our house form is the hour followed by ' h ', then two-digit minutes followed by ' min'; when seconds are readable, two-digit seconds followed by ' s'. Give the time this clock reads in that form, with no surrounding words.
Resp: 11 h 00 min
